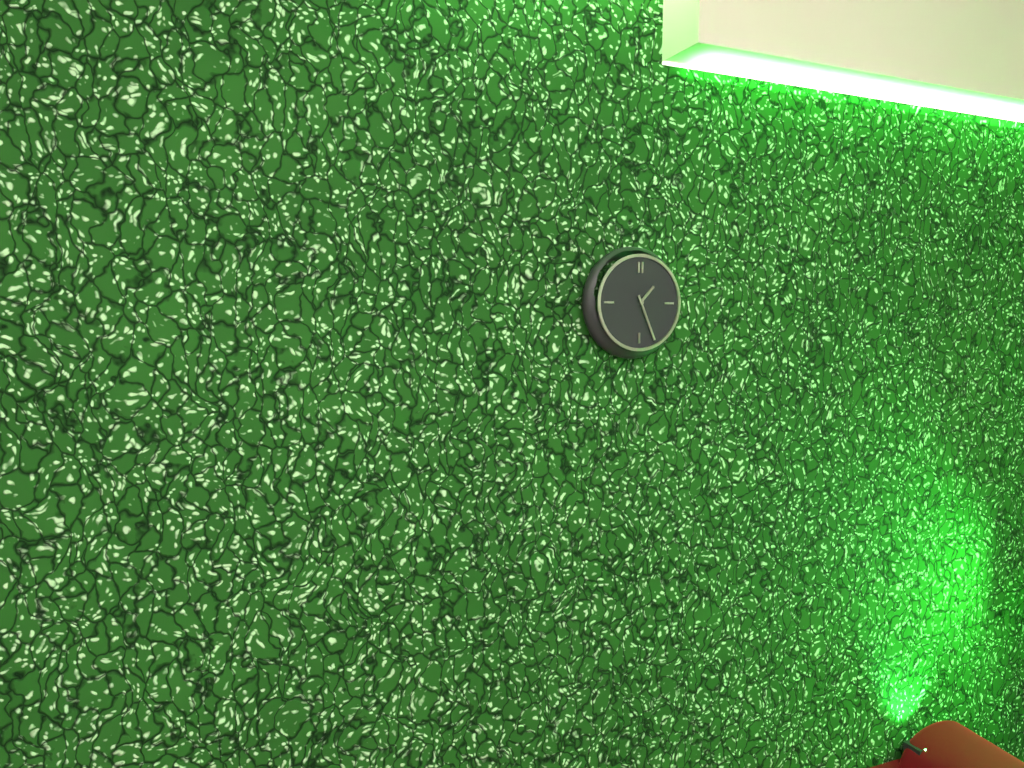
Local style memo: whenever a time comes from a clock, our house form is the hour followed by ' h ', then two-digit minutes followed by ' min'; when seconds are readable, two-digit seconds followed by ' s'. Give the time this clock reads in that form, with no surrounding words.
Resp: 1 h 26 min
